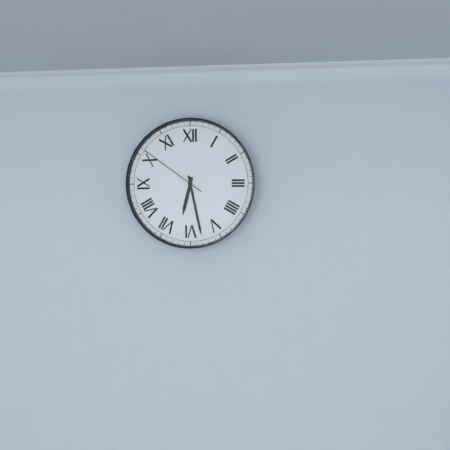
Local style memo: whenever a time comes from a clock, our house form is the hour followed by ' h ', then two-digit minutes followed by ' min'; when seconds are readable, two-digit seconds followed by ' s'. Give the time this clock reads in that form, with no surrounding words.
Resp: 6 h 28 min 51 s
